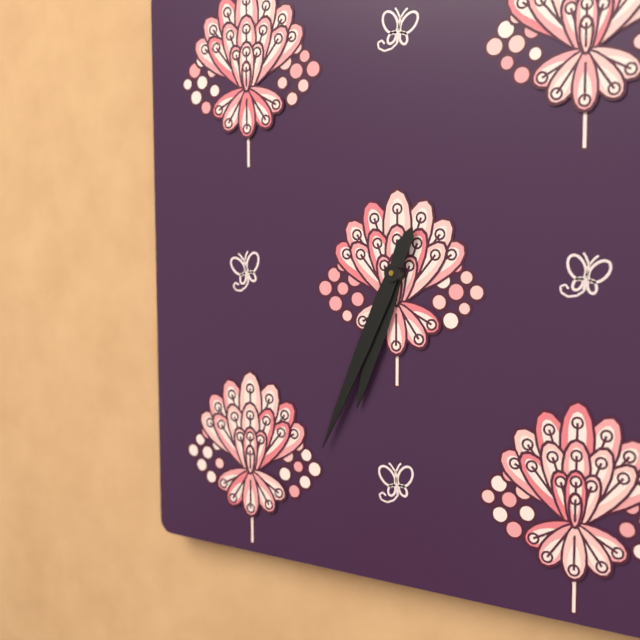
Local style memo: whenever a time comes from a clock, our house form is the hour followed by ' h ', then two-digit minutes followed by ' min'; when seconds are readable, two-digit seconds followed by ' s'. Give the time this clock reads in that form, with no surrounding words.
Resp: 6 h 34 min
